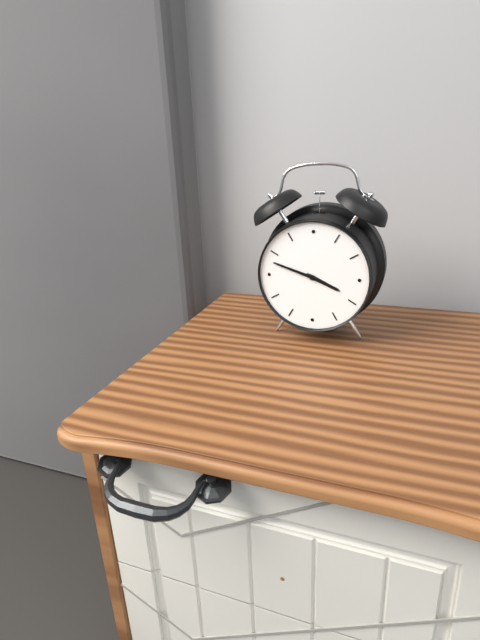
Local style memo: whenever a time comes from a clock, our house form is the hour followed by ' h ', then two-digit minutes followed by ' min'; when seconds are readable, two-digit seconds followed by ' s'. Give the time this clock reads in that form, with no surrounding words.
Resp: 3 h 48 min
